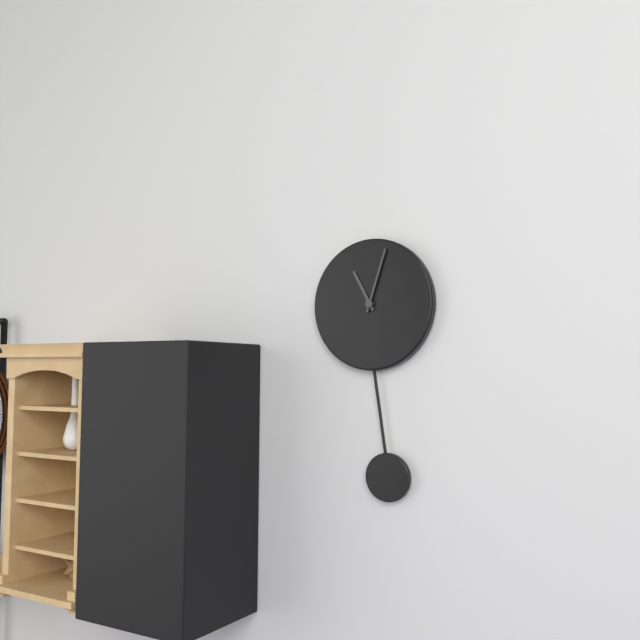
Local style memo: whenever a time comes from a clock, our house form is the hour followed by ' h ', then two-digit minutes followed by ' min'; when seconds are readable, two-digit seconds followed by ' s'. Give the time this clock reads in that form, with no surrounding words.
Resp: 11 h 03 min
